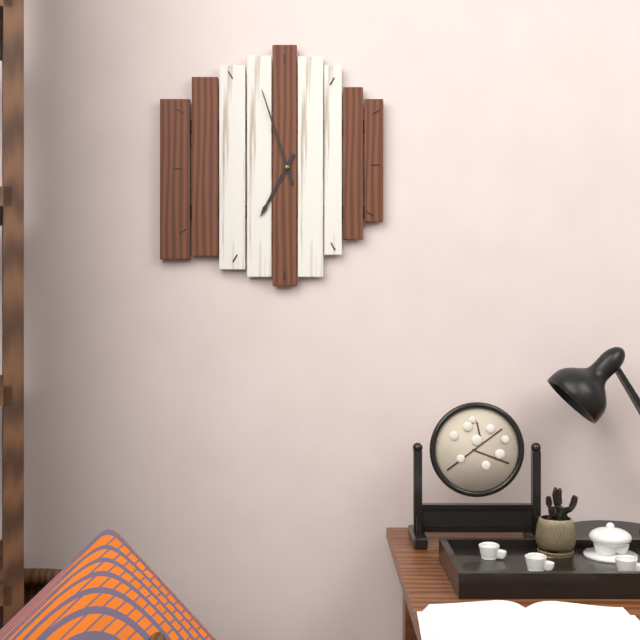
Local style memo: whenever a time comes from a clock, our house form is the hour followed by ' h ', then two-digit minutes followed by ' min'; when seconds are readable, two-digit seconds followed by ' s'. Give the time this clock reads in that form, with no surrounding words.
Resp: 6 h 57 min
